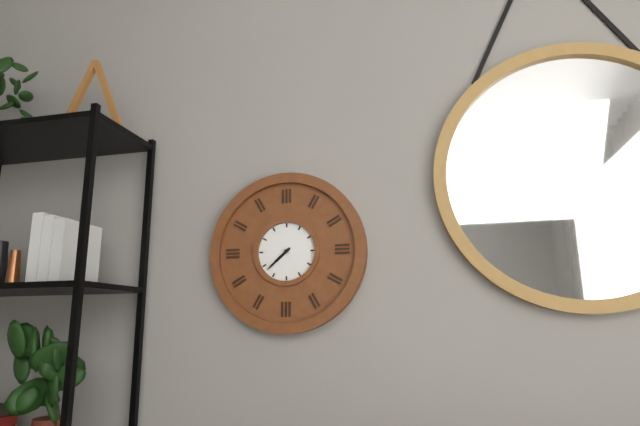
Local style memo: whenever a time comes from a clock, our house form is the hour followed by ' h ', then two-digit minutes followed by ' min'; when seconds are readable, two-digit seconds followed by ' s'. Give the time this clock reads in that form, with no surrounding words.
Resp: 7 h 38 min
